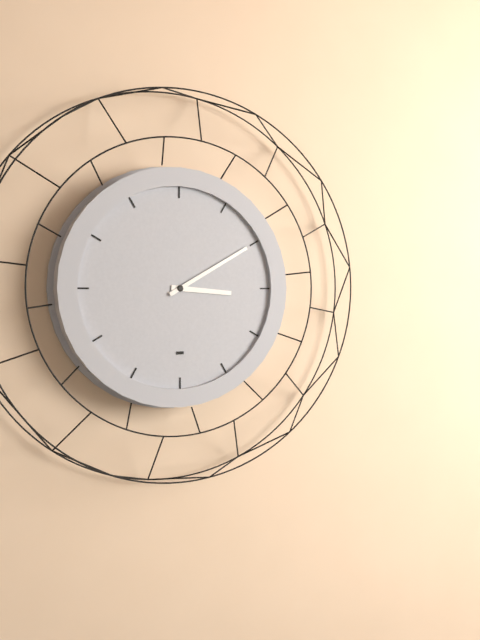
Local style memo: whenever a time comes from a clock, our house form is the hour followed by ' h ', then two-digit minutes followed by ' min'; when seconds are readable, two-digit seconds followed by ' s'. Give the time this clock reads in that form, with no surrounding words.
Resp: 3 h 10 min
